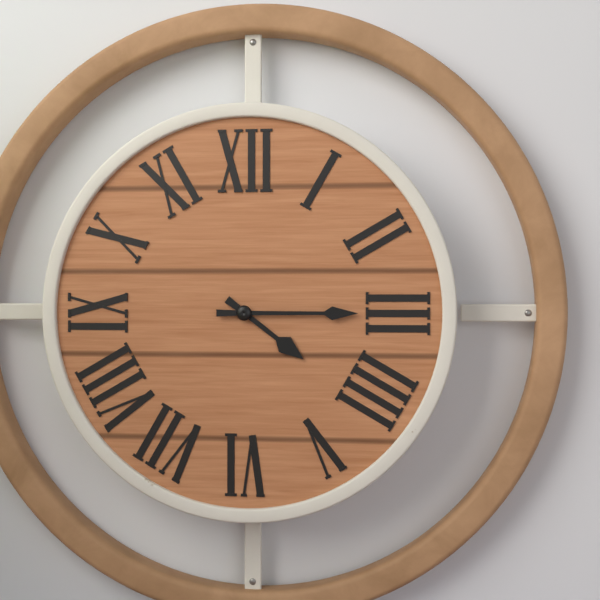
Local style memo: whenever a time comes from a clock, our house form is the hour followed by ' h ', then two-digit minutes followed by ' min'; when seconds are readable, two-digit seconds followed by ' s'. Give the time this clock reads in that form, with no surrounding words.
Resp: 4 h 15 min
